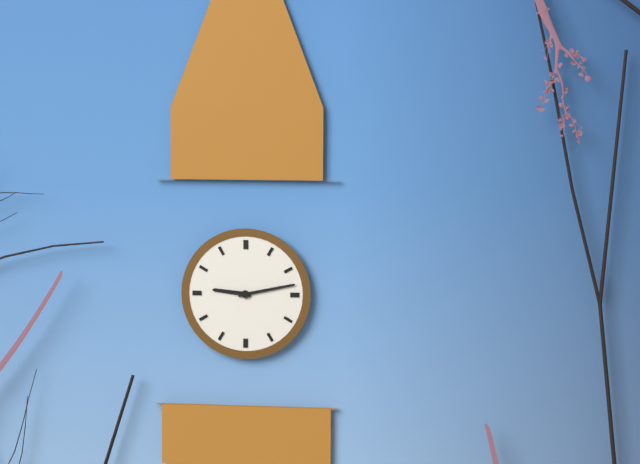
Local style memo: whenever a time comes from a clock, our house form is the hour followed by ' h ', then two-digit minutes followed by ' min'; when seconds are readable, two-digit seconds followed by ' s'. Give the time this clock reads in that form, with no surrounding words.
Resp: 9 h 13 min
